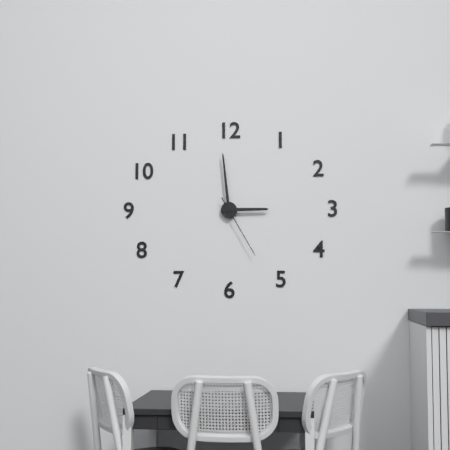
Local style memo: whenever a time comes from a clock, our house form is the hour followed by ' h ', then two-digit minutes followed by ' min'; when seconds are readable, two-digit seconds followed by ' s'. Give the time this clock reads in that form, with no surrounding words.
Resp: 2 h 59 min 25 s
